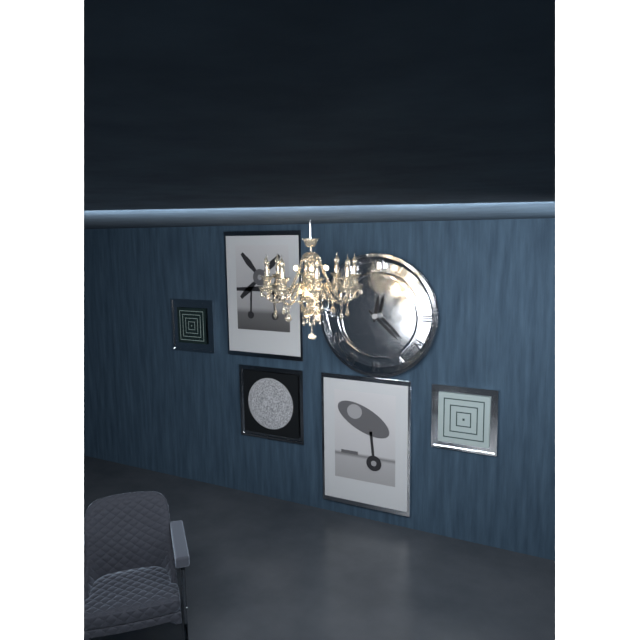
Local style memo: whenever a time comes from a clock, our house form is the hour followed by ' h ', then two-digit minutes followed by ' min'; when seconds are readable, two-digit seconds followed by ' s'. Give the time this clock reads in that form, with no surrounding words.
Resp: 12 h 22 min
